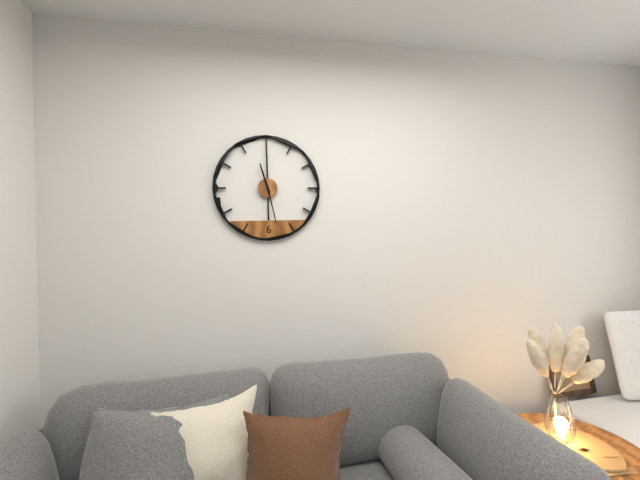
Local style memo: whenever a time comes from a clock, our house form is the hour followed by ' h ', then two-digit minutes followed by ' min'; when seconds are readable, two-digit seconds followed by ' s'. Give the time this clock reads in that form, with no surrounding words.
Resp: 11 h 28 min
